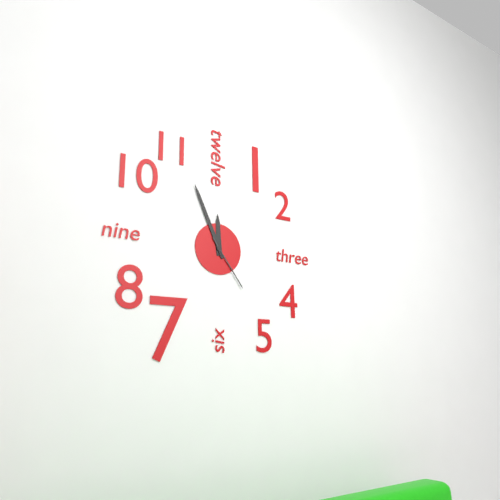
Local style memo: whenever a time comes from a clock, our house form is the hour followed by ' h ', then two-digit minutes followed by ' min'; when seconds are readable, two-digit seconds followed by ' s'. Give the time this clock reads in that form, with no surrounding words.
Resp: 11 h 56 min 24 s
